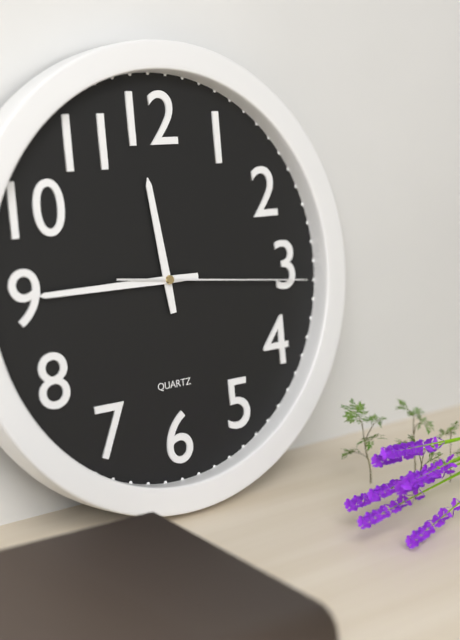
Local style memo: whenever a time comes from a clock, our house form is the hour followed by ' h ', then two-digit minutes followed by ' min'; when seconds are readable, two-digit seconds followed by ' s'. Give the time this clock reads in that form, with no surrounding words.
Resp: 11 h 45 min 16 s
